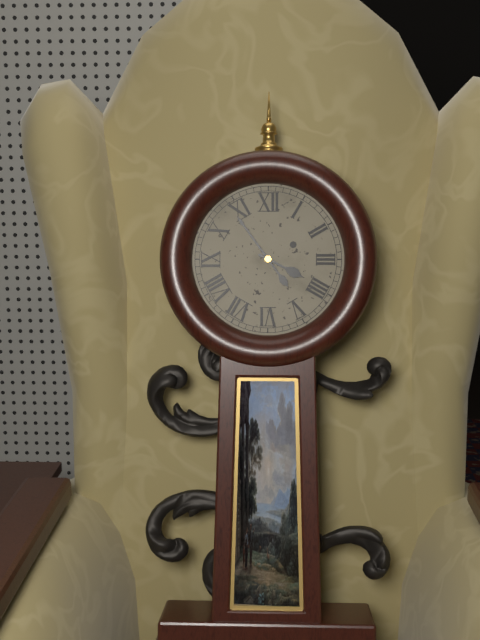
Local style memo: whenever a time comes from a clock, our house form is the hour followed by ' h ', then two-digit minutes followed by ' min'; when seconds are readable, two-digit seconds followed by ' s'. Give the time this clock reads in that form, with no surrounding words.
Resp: 3 h 54 min
